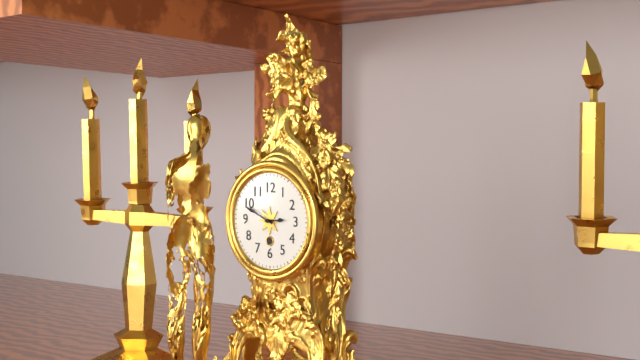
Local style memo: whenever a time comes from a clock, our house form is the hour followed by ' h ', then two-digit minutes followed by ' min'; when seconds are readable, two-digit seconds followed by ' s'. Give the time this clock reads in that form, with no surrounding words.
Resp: 2 h 49 min
